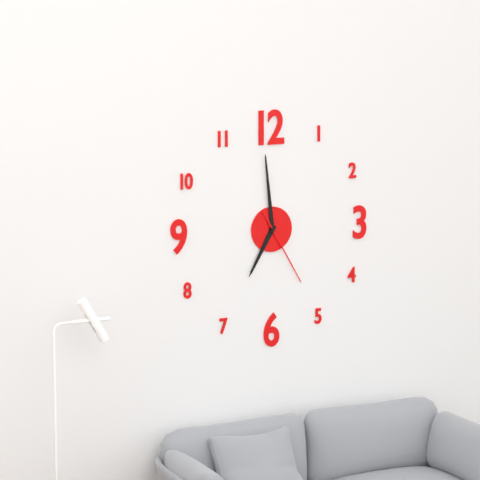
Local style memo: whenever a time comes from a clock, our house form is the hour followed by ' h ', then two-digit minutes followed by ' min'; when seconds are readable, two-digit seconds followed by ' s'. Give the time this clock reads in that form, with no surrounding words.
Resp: 6 h 59 min 25 s
